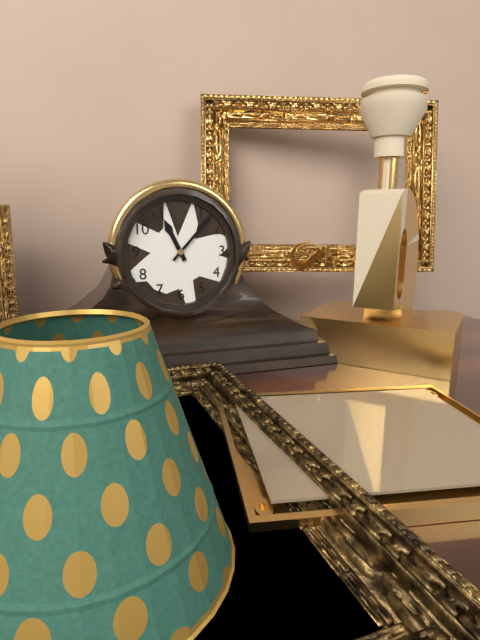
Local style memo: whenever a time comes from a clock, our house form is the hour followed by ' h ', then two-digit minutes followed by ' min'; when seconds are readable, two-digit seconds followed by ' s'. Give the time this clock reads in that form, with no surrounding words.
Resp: 11 h 07 min
